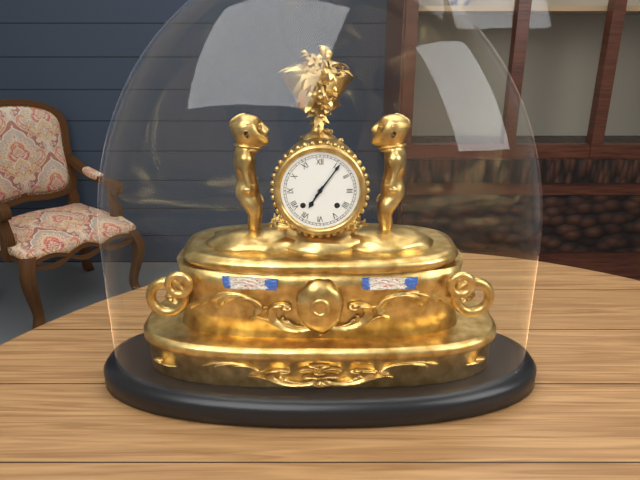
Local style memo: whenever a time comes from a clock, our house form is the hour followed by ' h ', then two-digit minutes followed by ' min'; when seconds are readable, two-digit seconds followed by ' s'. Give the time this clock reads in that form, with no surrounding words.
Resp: 7 h 06 min
